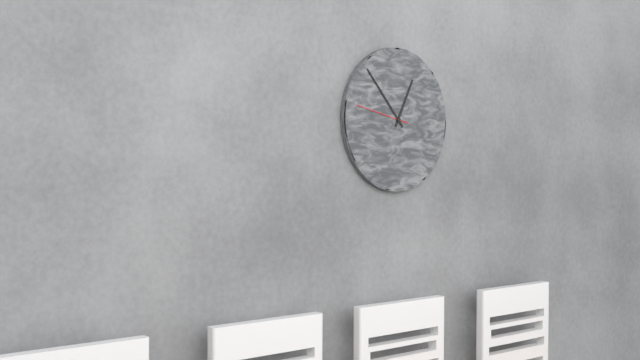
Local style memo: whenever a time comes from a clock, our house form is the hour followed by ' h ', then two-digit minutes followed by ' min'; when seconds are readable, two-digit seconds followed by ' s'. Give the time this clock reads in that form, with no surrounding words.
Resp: 12 h 53 min 47 s
